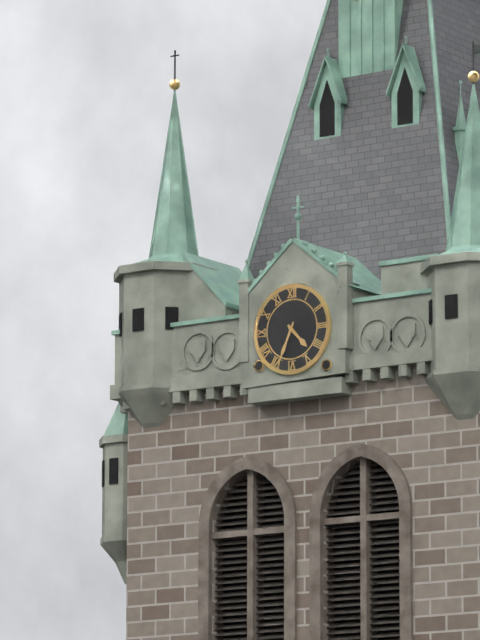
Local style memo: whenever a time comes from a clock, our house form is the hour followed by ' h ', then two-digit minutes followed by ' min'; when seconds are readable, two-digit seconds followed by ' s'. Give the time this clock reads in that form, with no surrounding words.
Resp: 4 h 34 min
